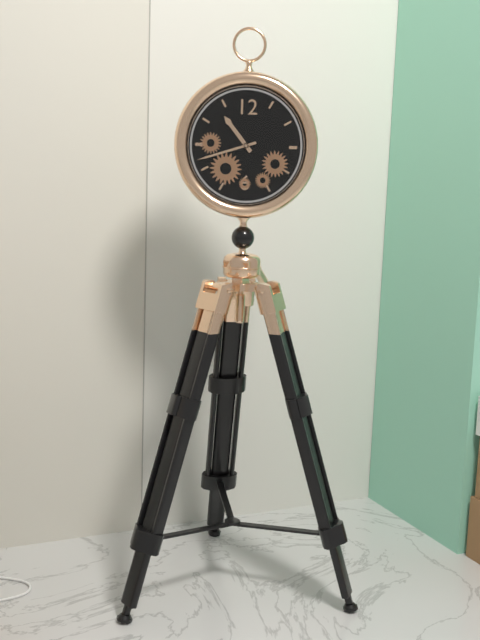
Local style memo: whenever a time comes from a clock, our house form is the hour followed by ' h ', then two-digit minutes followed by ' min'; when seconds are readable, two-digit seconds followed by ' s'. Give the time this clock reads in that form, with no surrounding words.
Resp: 10 h 42 min
